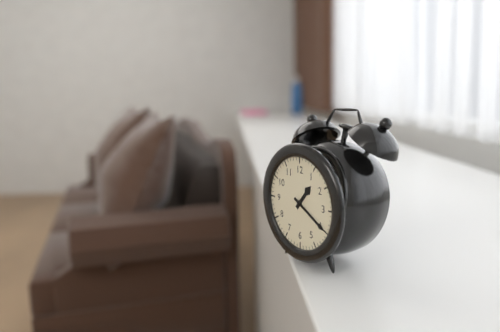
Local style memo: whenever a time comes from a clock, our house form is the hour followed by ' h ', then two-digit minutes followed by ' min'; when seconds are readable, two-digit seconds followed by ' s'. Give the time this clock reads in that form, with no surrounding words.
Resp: 1 h 20 min
